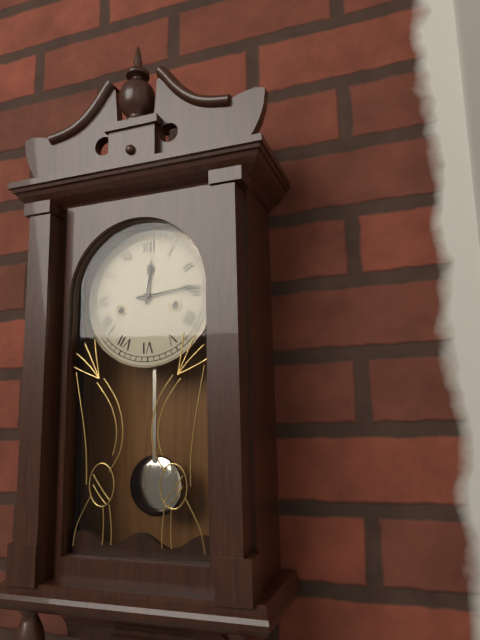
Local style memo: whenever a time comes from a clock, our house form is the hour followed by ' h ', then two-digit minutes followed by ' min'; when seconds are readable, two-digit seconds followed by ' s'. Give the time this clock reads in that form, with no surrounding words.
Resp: 12 h 14 min
